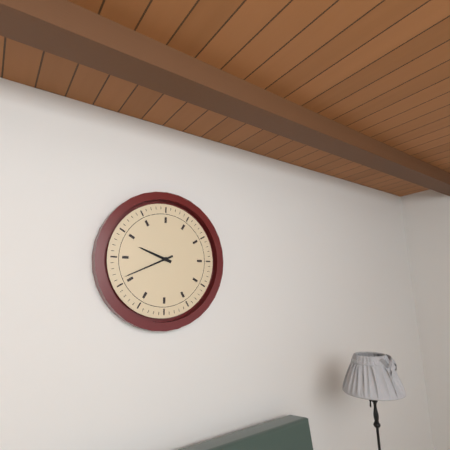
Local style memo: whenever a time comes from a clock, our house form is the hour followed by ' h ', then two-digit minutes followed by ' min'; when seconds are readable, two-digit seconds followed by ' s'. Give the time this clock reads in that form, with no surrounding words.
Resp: 9 h 41 min
